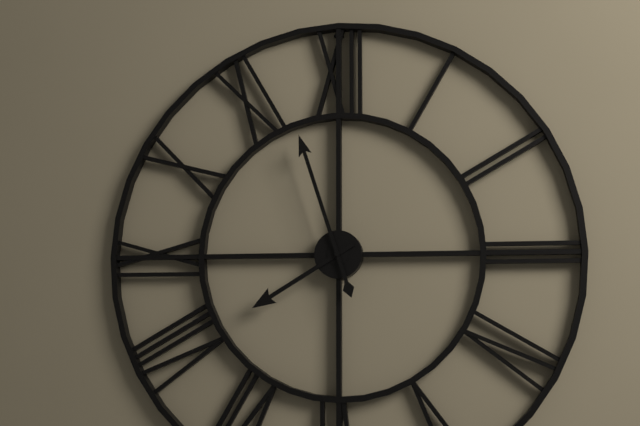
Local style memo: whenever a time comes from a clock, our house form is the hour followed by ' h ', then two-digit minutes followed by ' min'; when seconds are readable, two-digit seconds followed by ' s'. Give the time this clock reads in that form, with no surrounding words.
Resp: 7 h 57 min
